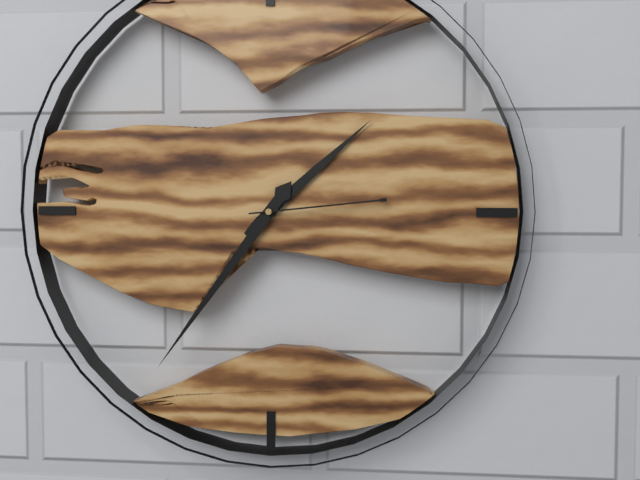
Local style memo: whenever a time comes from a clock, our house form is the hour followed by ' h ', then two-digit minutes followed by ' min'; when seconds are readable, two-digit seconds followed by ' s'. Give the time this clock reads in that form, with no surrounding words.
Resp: 1 h 36 min 14 s
